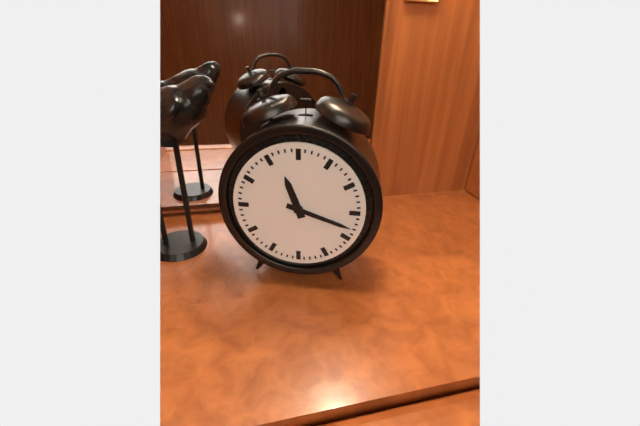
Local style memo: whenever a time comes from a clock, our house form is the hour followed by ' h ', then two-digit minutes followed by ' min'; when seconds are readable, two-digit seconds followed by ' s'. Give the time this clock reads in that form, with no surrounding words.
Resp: 11 h 18 min
